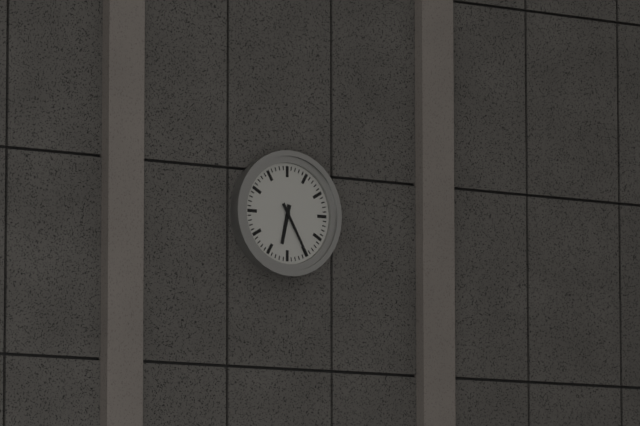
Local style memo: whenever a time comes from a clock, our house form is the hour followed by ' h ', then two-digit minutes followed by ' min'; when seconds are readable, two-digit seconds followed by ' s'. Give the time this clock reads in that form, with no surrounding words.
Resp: 6 h 25 min
